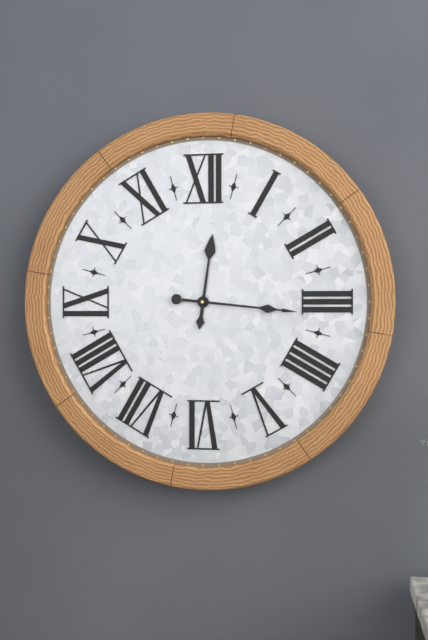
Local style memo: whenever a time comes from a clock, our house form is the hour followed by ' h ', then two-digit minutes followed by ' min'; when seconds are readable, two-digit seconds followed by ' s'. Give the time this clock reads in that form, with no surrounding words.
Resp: 12 h 16 min
